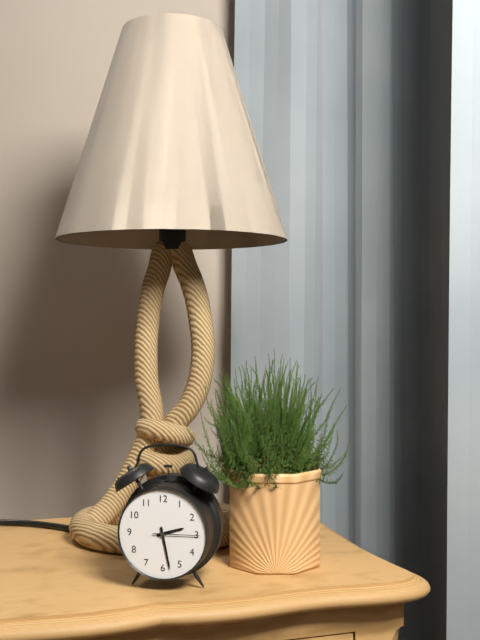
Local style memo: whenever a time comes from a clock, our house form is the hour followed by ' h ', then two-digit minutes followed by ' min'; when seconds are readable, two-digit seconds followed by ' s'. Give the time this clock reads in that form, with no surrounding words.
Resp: 2 h 28 min
